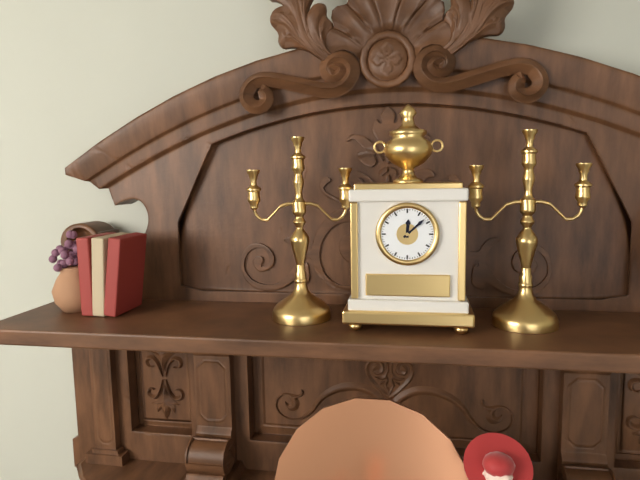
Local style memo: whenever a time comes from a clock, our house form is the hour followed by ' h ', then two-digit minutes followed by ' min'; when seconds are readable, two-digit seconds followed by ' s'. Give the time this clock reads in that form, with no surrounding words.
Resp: 12 h 08 min
